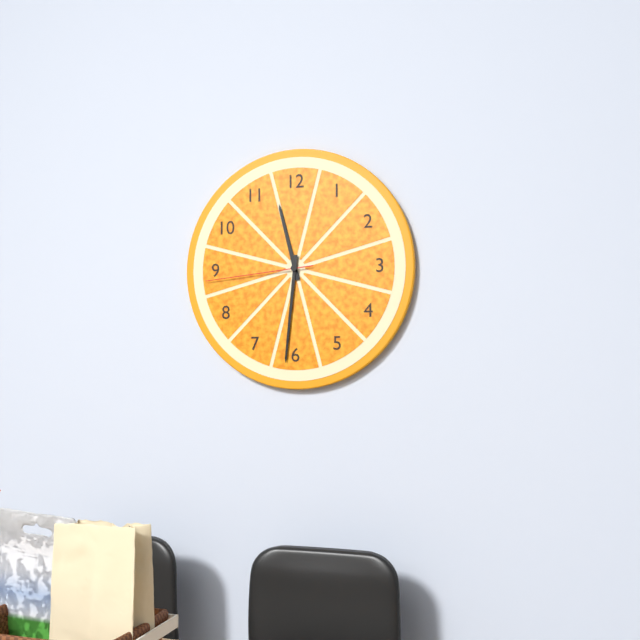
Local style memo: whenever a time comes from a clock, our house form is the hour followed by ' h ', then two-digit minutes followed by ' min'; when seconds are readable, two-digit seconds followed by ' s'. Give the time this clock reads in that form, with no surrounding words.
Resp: 11 h 31 min 44 s
